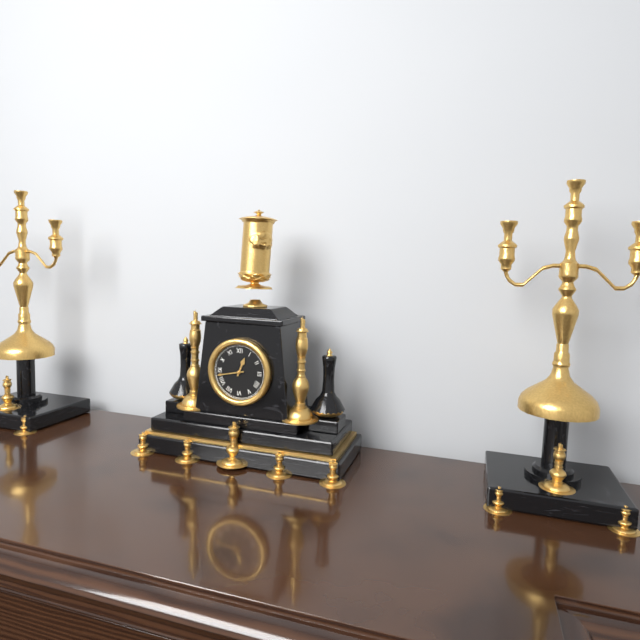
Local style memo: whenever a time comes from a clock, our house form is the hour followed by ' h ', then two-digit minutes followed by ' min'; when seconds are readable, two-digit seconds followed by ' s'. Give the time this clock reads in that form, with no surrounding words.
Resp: 12 h 43 min
